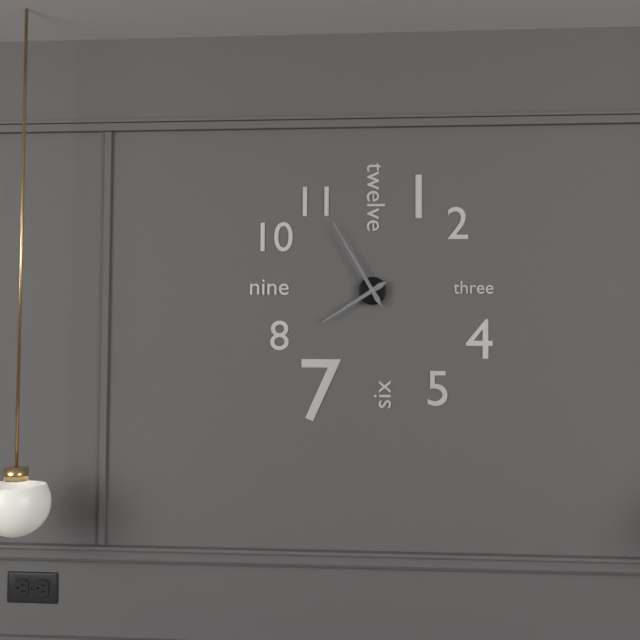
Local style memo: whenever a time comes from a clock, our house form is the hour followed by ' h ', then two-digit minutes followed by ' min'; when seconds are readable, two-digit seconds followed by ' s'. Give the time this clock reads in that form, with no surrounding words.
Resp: 7 h 55 min
